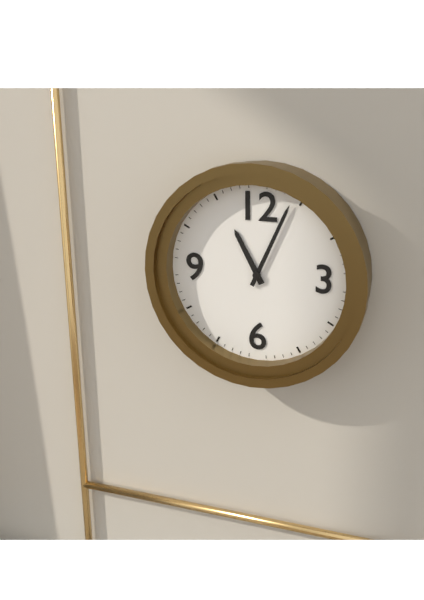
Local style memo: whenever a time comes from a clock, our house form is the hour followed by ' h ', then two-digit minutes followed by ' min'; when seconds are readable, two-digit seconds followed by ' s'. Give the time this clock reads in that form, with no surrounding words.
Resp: 11 h 04 min
